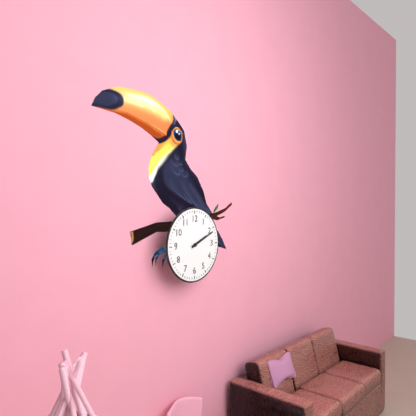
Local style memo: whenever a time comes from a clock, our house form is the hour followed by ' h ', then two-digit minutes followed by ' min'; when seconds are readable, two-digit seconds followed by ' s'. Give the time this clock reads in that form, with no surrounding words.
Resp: 2 h 11 min
